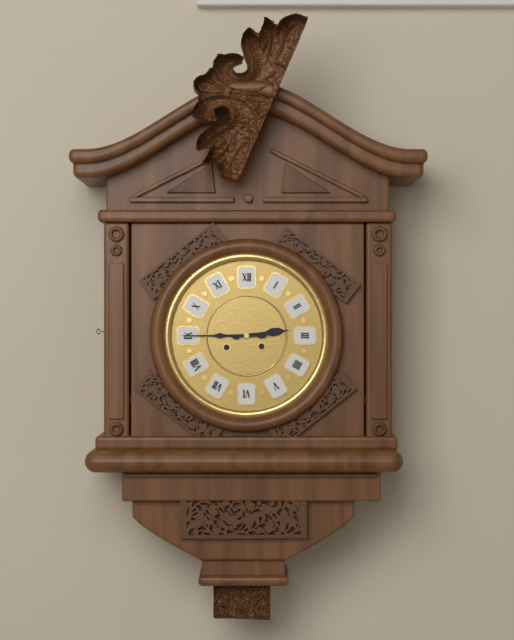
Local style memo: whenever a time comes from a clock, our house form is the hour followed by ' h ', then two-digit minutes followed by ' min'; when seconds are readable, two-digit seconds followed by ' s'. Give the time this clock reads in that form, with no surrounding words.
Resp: 2 h 45 min
